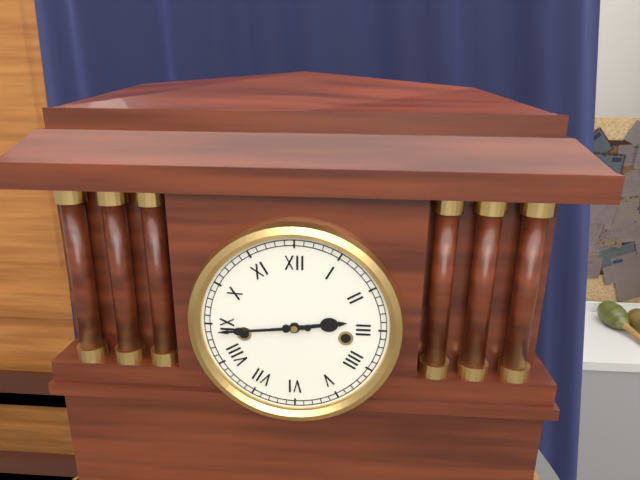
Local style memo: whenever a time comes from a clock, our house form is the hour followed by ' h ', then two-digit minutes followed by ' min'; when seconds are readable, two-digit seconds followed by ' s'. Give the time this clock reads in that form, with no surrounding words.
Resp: 2 h 44 min
